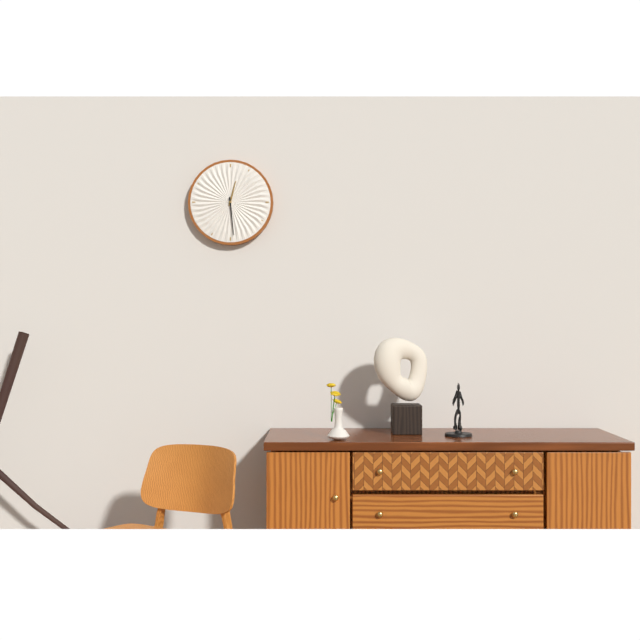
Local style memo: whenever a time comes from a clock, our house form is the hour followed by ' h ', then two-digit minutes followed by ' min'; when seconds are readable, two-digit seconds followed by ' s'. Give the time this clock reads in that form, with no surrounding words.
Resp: 12 h 29 min
